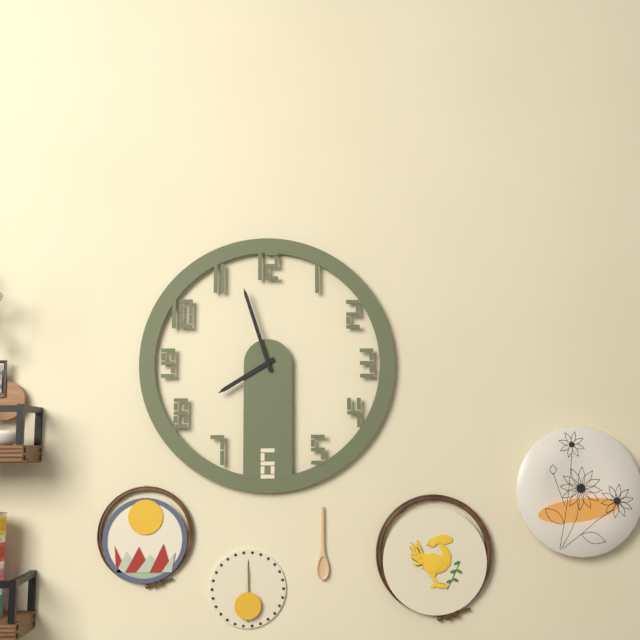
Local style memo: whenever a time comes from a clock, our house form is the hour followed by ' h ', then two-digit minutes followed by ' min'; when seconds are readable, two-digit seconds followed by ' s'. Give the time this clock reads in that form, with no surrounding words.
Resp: 7 h 57 min
